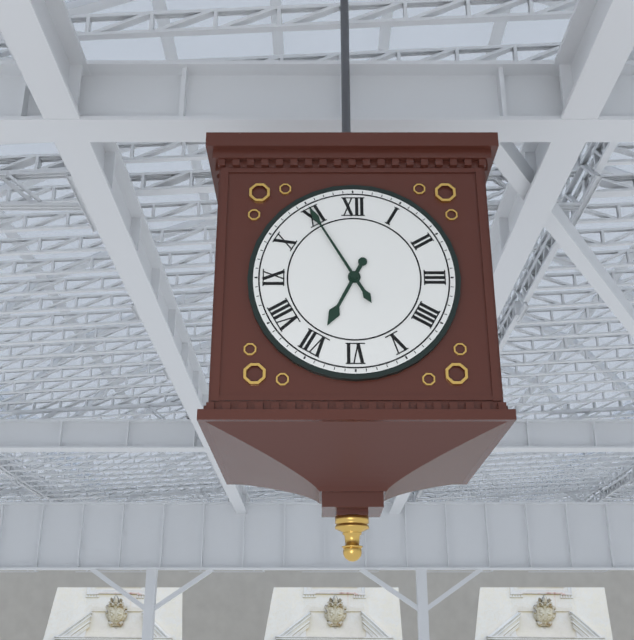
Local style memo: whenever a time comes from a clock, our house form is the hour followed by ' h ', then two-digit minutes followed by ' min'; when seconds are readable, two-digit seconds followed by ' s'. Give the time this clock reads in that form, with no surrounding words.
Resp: 6 h 55 min
